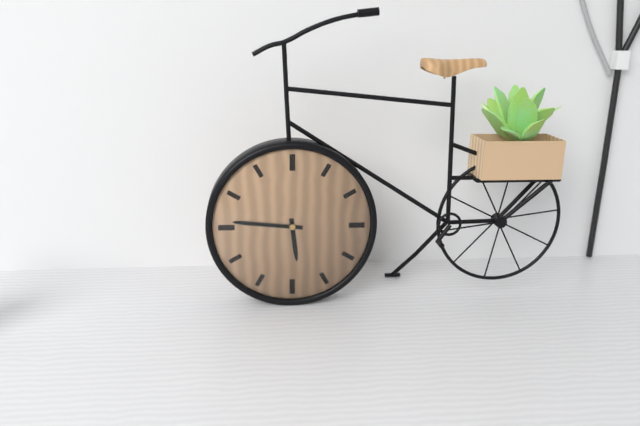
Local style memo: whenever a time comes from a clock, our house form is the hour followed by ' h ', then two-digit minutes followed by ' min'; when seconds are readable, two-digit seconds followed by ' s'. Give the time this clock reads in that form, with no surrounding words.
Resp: 5 h 46 min
